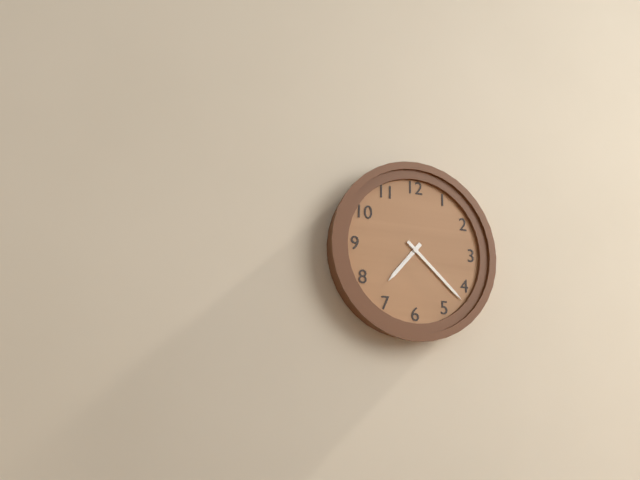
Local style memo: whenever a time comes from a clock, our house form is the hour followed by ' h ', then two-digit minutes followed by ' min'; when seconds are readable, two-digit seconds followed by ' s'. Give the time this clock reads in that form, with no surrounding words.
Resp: 7 h 22 min
